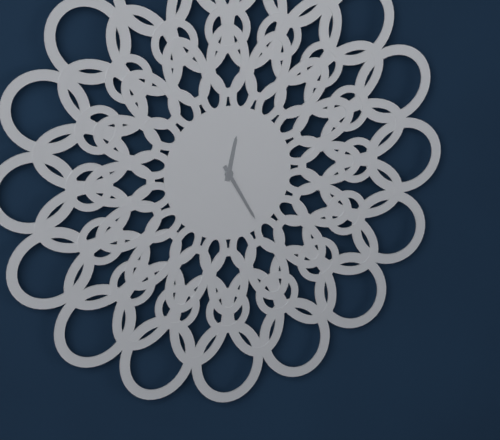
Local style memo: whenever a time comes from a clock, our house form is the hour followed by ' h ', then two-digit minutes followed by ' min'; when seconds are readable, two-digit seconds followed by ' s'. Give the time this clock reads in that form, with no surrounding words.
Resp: 12 h 25 min
